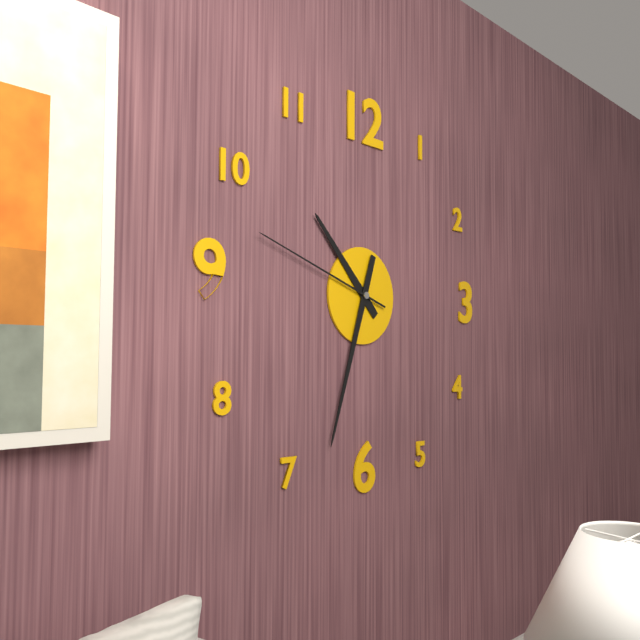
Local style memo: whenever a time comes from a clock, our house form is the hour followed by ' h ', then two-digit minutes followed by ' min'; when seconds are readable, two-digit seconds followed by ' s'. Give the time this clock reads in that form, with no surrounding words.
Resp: 10 h 33 min 48 s
